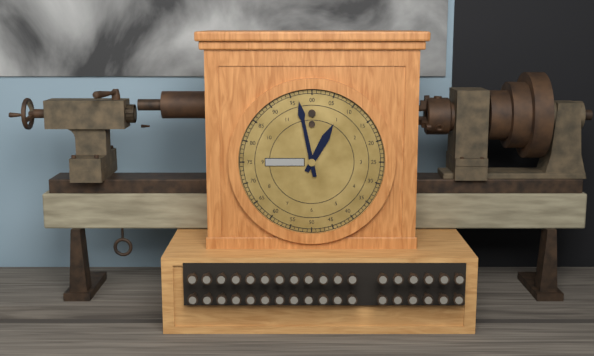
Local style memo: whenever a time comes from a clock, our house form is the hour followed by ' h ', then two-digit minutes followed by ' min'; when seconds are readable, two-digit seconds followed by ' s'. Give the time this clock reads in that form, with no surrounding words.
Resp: 12 h 58 min
